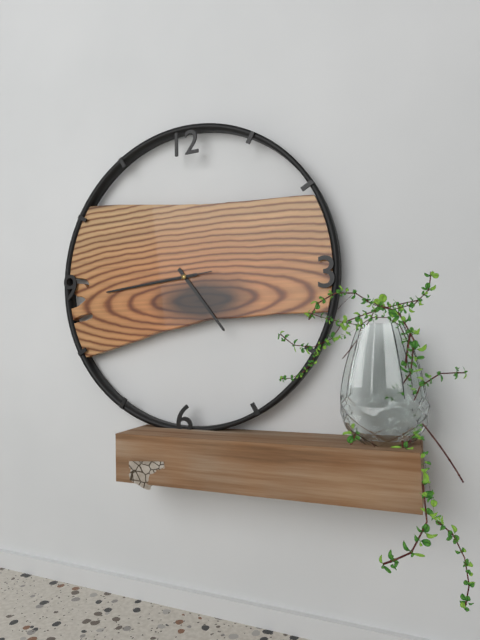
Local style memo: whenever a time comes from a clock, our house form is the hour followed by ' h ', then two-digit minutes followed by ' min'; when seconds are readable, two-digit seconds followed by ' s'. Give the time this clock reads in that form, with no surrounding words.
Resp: 4 h 44 min 44 s
